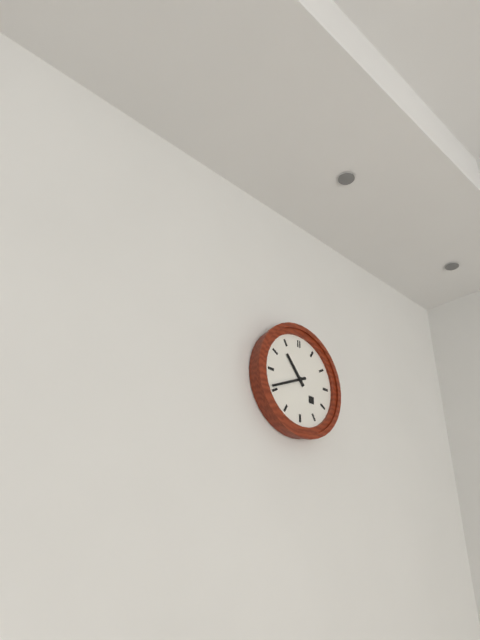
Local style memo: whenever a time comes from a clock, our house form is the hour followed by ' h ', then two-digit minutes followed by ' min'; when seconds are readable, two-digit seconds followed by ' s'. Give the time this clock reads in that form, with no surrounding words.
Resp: 10 h 41 min
